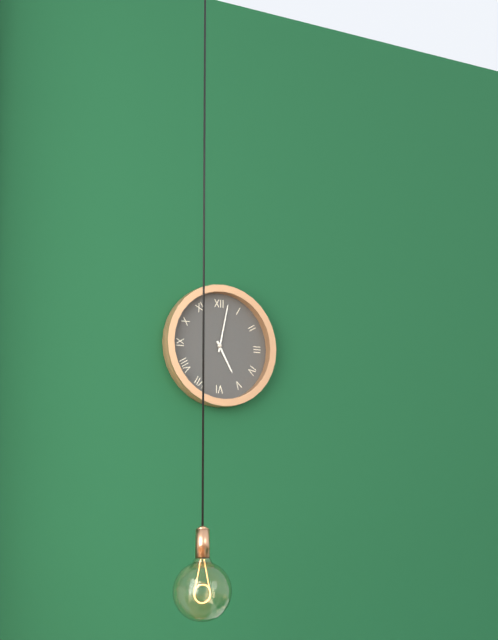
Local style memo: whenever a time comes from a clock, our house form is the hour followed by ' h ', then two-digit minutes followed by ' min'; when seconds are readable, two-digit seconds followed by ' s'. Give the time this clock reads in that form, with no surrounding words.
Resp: 5 h 02 min
